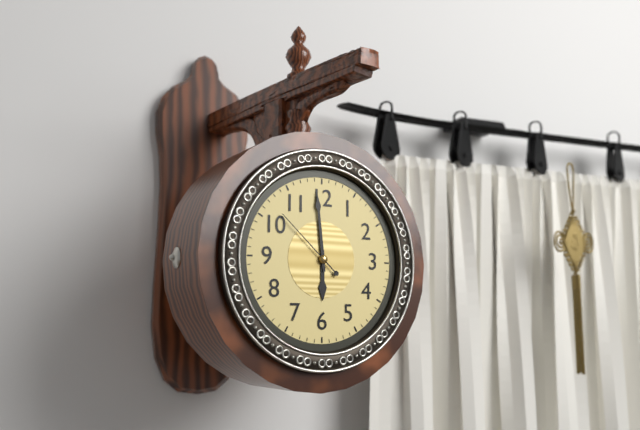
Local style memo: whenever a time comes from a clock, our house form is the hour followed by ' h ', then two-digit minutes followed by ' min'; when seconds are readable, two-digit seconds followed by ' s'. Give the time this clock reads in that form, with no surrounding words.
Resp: 5 h 59 min 52 s
